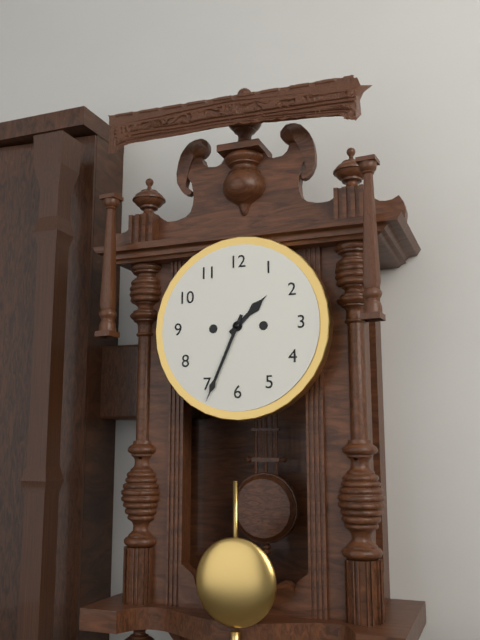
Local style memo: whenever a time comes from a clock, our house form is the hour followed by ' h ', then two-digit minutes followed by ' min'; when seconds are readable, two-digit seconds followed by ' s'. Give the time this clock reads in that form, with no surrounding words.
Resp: 1 h 34 min
